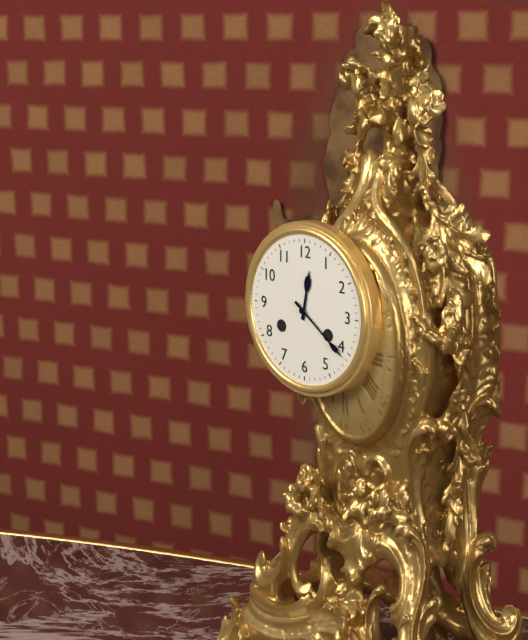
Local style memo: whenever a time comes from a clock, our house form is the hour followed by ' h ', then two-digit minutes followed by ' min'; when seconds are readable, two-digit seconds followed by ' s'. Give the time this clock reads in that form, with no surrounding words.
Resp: 12 h 21 min
